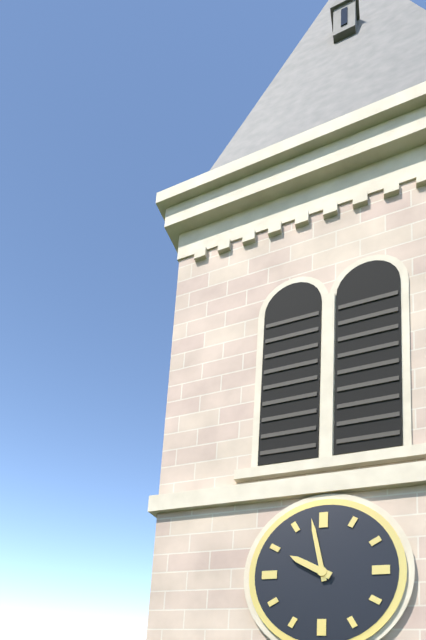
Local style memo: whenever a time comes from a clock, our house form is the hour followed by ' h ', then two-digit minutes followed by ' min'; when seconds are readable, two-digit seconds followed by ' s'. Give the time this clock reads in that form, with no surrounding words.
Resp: 9 h 58 min
